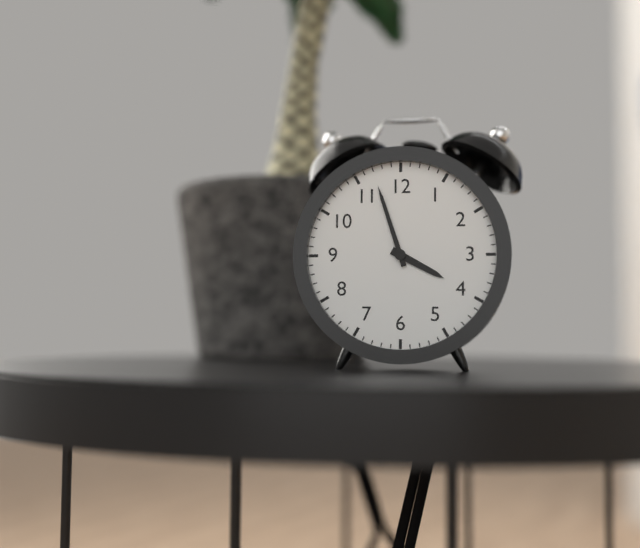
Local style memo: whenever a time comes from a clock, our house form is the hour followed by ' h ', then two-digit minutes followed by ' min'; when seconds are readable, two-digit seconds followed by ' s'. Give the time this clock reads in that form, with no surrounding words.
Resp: 3 h 57 min
